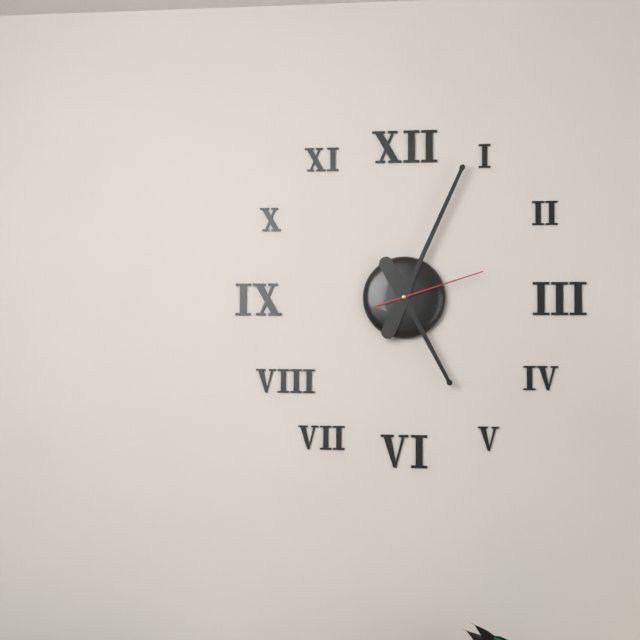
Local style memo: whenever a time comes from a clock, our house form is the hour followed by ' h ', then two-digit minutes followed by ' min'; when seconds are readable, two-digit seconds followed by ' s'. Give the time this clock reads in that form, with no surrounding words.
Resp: 5 h 04 min 12 s
